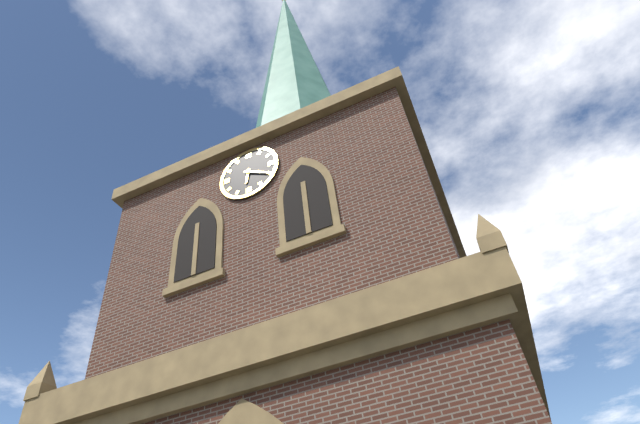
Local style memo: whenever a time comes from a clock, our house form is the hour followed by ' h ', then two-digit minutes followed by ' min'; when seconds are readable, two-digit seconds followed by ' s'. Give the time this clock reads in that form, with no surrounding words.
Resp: 6 h 20 min
